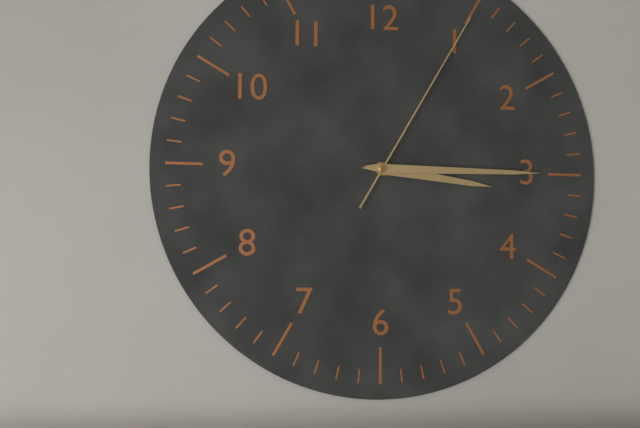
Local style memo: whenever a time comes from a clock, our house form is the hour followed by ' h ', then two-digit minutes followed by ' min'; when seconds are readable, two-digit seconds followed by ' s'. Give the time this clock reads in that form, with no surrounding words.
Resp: 3 h 15 min 05 s
